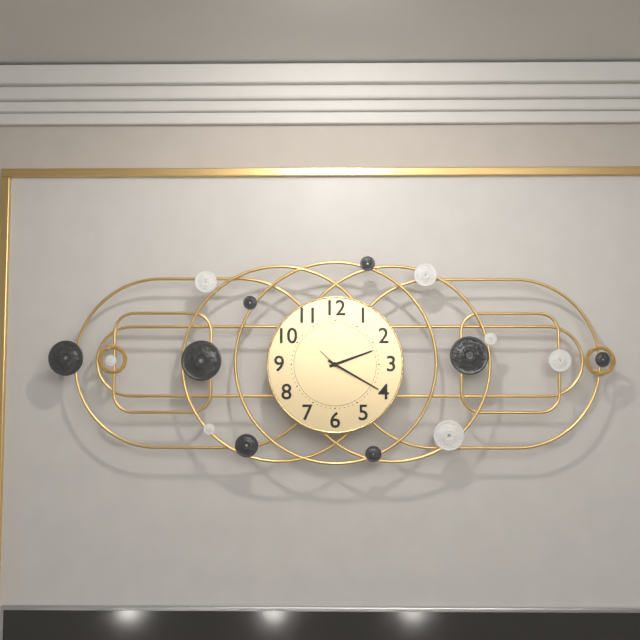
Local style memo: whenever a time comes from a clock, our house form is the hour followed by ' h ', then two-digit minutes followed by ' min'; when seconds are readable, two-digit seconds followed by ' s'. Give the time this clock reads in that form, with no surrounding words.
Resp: 2 h 20 min
